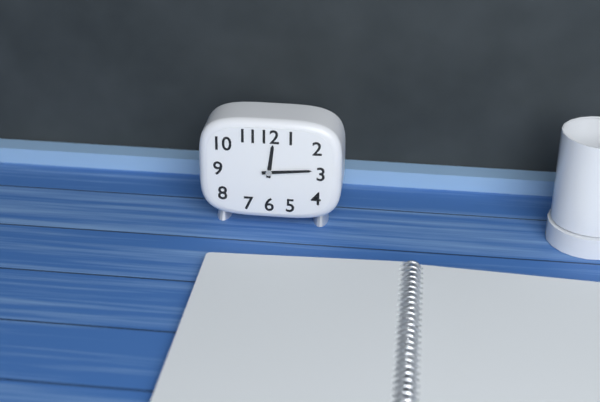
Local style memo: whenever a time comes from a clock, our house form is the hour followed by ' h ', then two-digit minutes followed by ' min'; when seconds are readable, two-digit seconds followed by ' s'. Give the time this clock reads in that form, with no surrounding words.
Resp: 12 h 14 min
